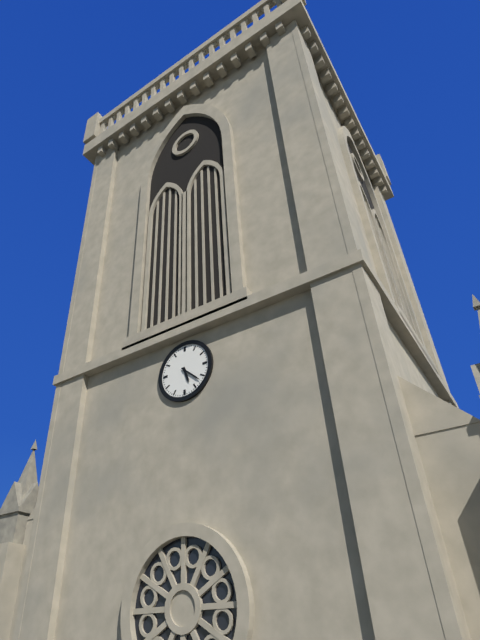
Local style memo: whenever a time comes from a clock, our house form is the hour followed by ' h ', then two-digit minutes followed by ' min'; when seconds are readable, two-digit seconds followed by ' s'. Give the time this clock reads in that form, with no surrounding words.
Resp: 5 h 22 min
